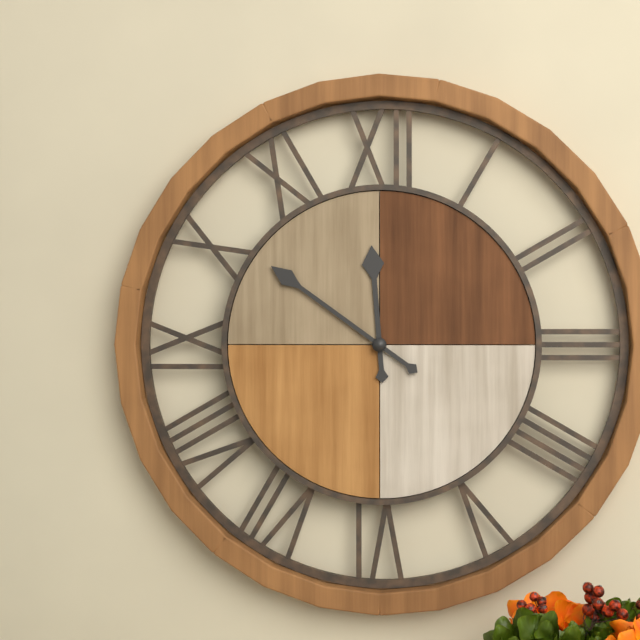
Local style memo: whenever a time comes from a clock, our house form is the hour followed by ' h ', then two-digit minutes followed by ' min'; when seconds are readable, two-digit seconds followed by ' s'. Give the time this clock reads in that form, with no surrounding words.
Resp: 11 h 51 min
